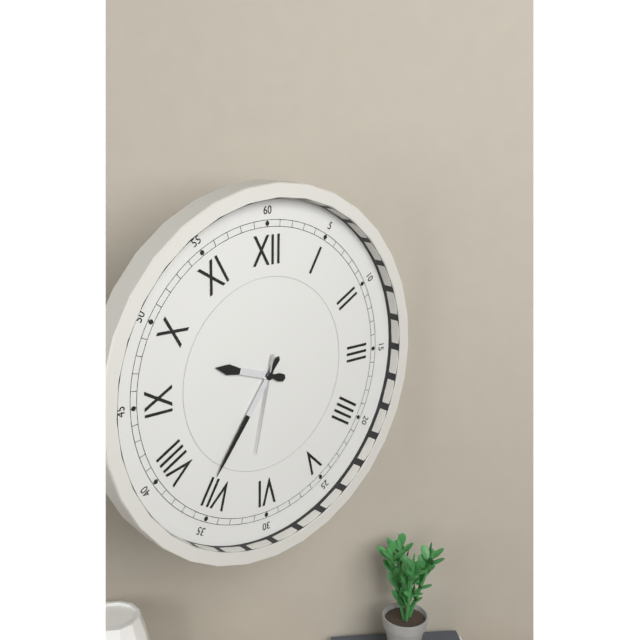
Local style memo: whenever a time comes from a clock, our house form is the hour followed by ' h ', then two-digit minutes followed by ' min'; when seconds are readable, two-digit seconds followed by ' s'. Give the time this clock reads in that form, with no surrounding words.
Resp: 9 h 36 min 32 s
